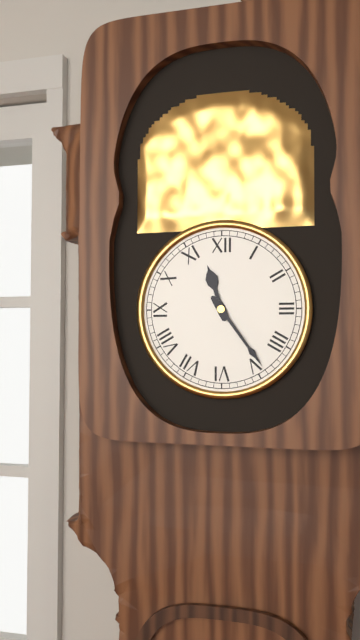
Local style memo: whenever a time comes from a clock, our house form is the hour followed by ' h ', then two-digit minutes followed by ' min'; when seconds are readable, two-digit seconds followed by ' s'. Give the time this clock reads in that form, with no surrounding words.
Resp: 11 h 24 min
